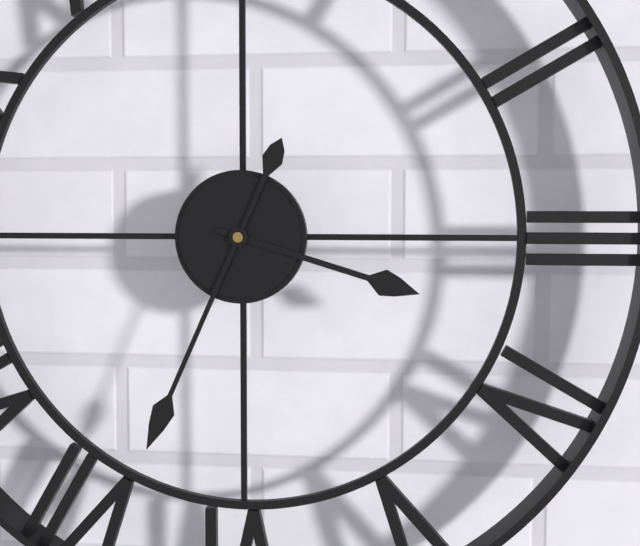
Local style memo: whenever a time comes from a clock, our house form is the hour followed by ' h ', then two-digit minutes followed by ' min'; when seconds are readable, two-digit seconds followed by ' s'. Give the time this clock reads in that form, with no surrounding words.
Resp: 3 h 34 min
